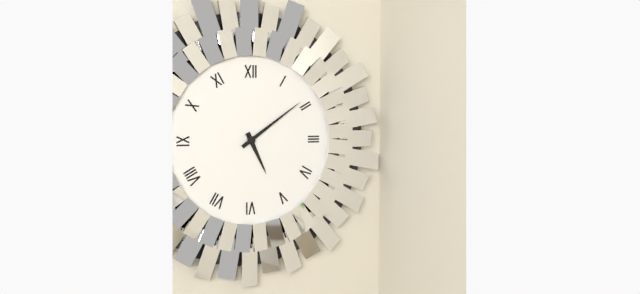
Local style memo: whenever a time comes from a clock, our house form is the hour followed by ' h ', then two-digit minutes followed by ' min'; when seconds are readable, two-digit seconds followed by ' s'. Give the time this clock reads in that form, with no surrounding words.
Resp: 5 h 09 min
